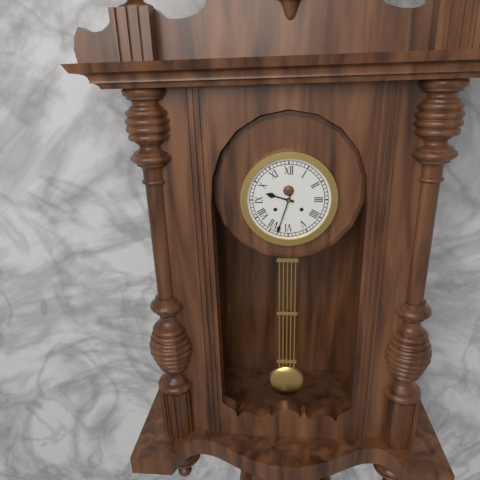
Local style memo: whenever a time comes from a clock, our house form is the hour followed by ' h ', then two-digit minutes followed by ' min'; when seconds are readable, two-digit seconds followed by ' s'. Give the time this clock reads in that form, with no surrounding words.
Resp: 9 h 33 min
